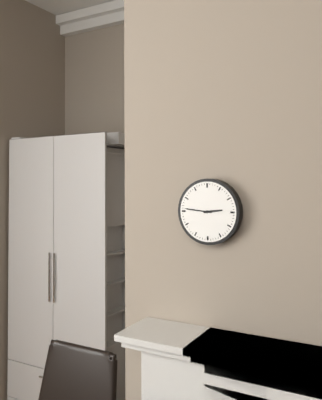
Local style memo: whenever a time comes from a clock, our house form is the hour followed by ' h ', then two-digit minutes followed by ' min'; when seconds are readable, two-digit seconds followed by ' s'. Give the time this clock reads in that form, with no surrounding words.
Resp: 2 h 46 min
